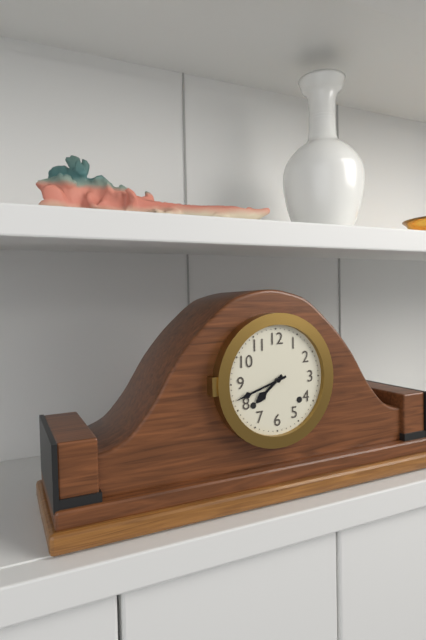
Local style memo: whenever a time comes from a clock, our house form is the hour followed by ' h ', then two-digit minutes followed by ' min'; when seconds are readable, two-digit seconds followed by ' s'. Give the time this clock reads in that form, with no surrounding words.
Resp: 7 h 42 min
